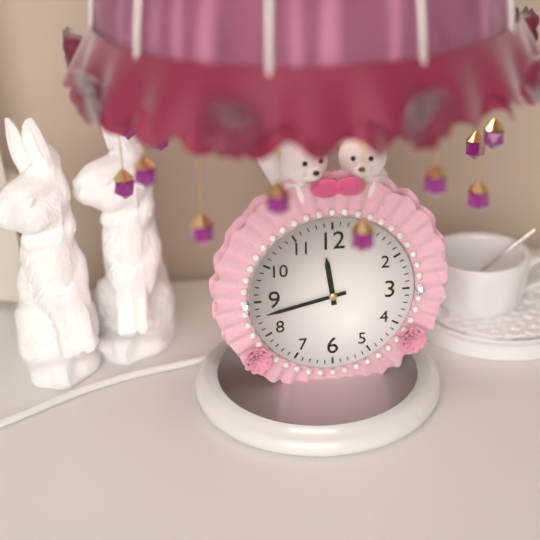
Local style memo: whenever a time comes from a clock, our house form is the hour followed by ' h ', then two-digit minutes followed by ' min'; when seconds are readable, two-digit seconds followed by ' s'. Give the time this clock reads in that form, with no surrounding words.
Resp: 11 h 43 min
